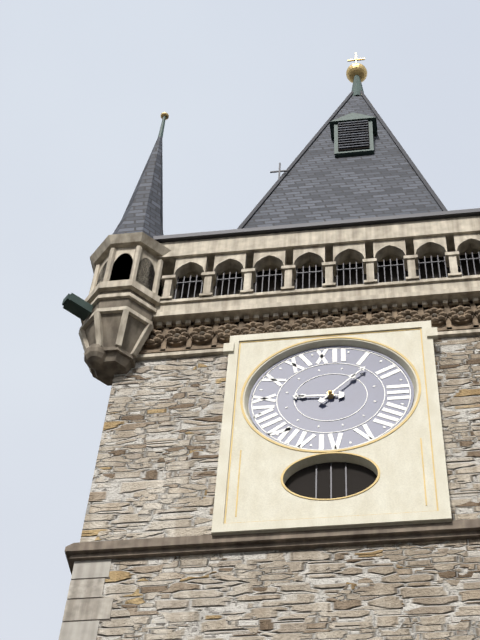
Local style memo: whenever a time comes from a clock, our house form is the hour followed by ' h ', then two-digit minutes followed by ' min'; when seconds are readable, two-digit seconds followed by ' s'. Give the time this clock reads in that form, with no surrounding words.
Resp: 9 h 07 min
